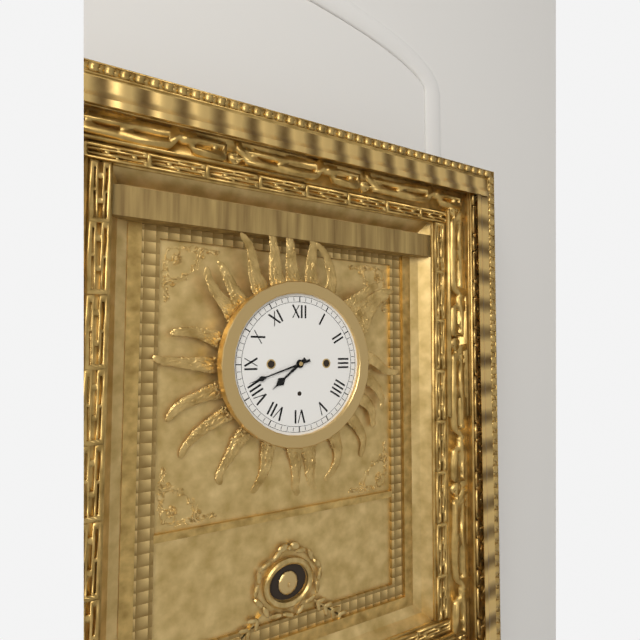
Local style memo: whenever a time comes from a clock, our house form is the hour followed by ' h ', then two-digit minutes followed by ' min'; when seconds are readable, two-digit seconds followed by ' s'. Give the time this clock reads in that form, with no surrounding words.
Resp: 7 h 42 min
